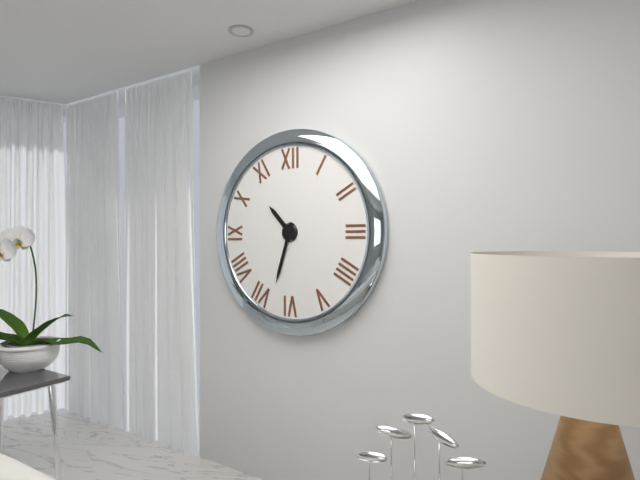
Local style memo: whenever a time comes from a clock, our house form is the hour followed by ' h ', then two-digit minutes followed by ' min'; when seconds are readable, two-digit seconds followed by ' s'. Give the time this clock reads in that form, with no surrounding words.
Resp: 10 h 33 min
